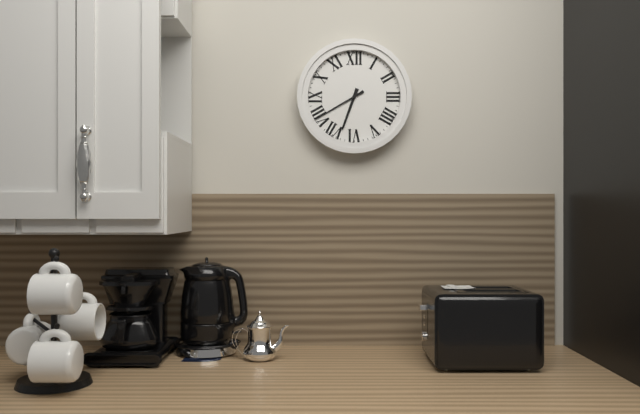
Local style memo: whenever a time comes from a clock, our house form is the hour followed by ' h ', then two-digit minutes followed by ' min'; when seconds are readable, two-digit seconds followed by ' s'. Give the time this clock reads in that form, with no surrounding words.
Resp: 6 h 40 min
